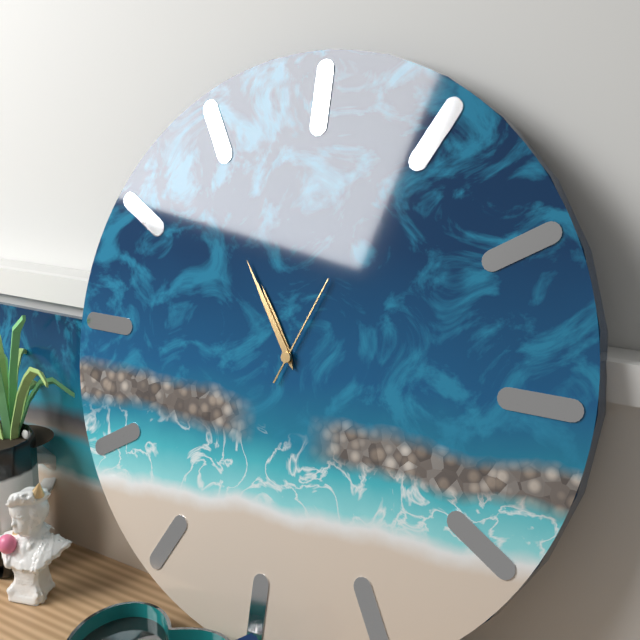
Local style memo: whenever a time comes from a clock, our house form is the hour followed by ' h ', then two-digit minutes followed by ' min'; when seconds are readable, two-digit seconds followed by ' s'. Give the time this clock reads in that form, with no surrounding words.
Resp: 10 h 54 min 04 s
